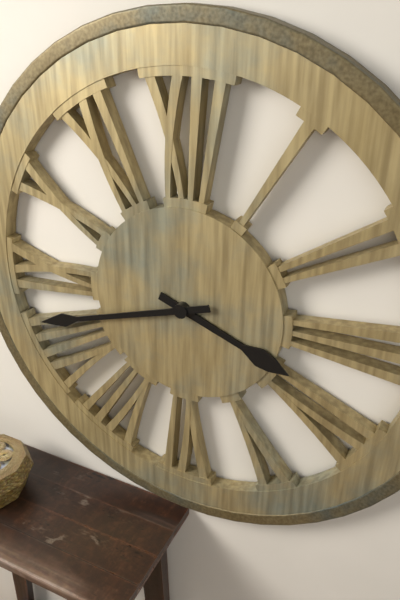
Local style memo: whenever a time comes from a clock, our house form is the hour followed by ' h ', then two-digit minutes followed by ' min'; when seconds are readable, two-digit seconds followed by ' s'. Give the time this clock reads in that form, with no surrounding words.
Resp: 3 h 42 min
